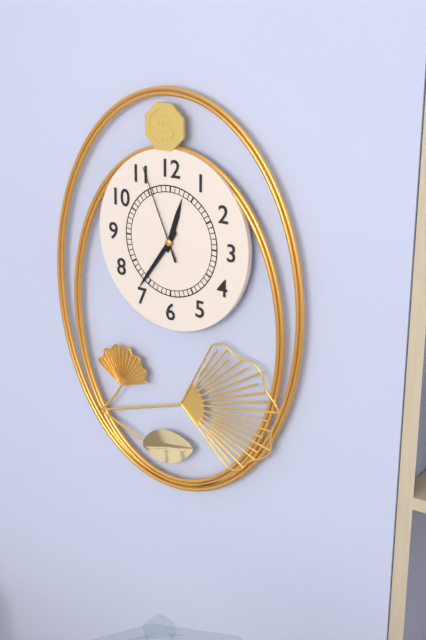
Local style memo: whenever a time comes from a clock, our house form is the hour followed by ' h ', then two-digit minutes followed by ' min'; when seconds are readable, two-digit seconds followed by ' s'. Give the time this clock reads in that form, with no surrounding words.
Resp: 12 h 36 min 56 s
